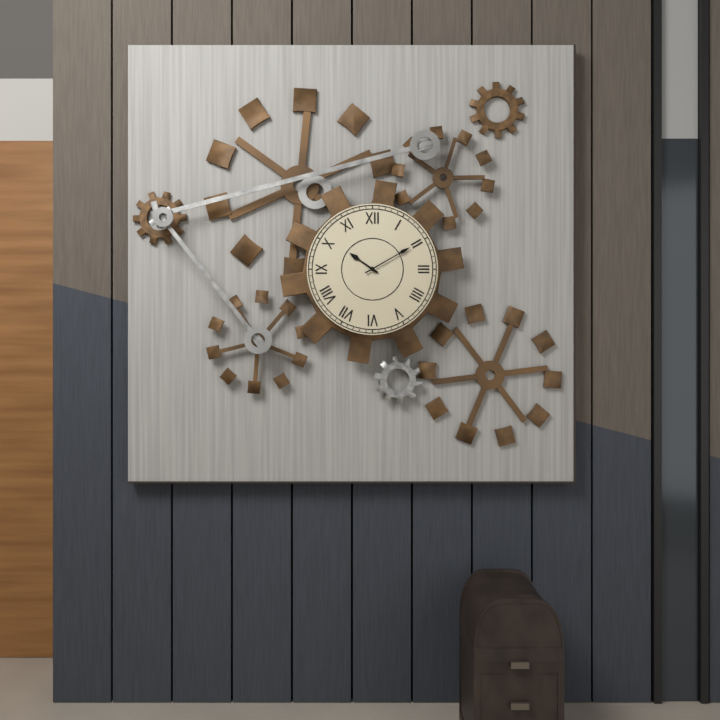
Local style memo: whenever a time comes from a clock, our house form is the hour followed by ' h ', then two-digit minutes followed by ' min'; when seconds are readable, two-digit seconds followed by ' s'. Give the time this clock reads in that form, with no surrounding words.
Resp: 10 h 10 min
